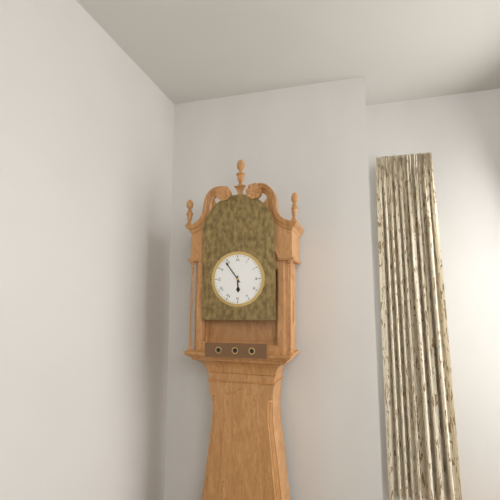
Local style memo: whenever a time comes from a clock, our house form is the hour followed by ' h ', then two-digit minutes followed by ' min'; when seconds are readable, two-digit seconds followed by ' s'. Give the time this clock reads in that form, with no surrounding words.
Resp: 5 h 54 min
